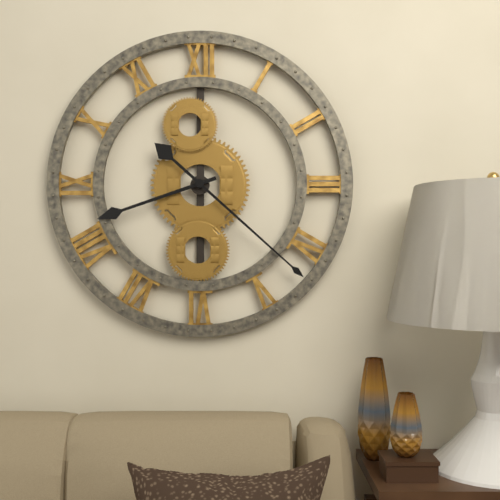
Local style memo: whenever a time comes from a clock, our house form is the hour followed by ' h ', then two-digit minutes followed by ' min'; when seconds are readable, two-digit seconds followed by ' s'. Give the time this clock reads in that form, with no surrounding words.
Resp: 8 h 22 min
